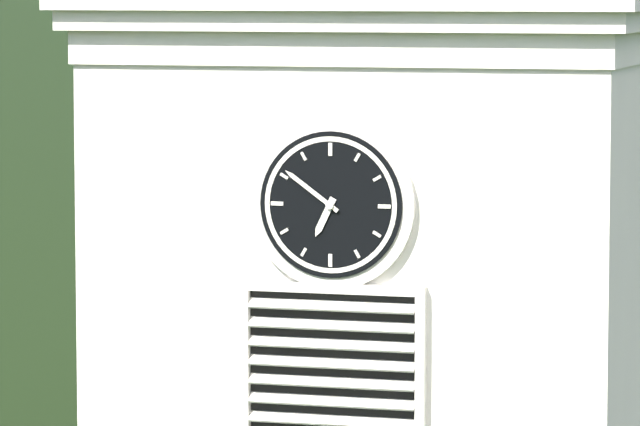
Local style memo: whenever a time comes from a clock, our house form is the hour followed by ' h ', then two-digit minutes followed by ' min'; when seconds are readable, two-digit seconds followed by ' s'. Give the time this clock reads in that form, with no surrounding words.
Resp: 6 h 51 min
